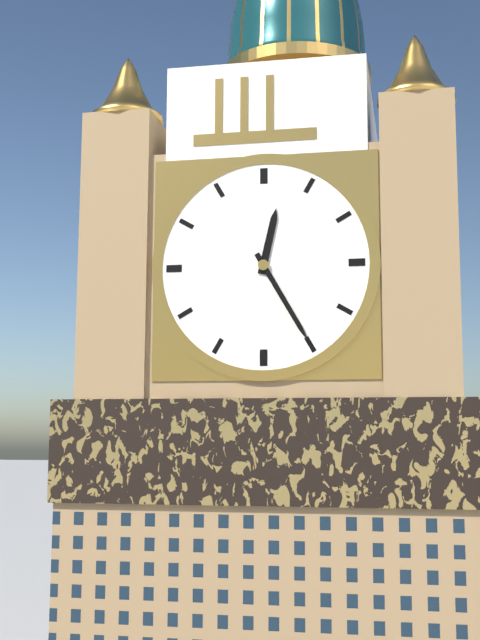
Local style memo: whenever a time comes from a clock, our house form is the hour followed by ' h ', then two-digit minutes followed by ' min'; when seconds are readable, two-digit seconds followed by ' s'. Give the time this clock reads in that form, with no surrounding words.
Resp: 12 h 25 min
